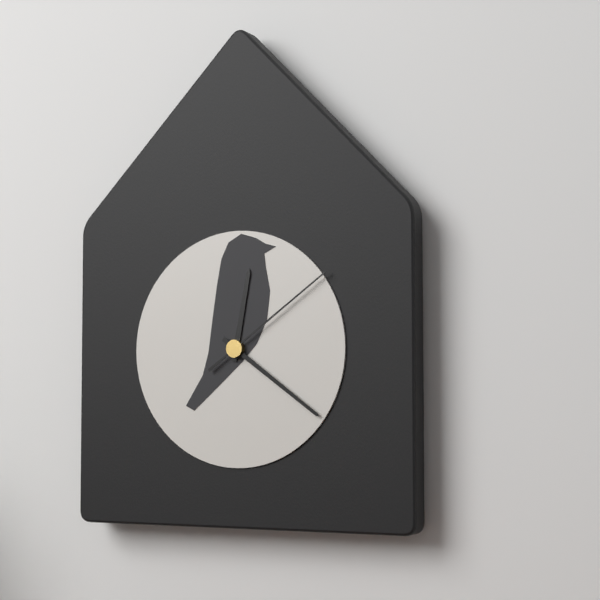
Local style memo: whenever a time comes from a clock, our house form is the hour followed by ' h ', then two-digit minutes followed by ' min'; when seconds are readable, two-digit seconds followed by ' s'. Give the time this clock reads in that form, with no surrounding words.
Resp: 12 h 21 min 09 s
